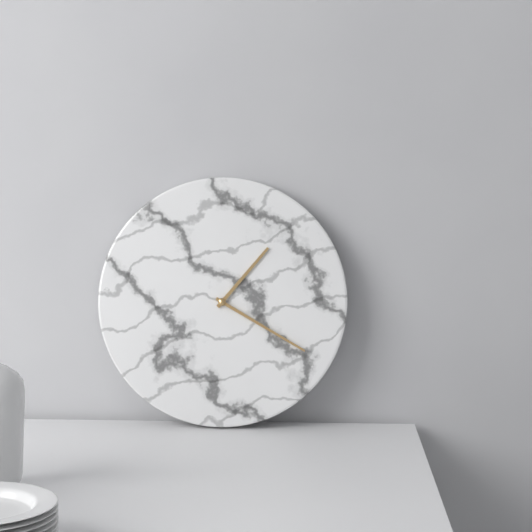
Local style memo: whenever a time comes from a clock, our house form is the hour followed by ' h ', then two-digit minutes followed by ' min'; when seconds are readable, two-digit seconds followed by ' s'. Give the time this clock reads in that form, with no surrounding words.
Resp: 1 h 20 min
